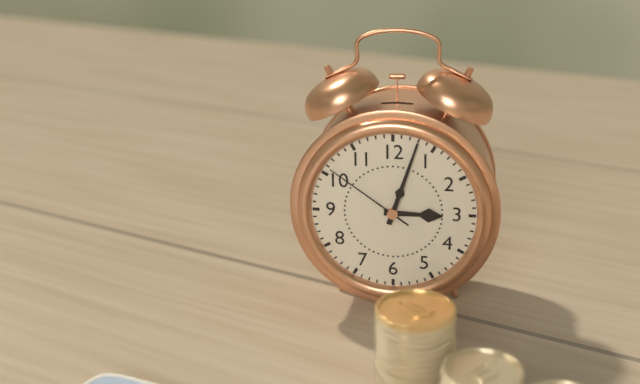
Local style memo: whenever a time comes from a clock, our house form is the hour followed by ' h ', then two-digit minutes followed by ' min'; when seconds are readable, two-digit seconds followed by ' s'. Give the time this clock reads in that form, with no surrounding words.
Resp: 3 h 03 min 51 s
